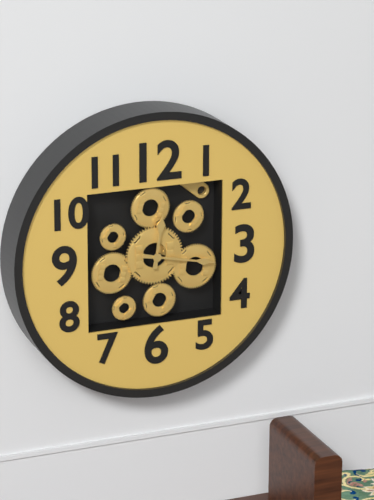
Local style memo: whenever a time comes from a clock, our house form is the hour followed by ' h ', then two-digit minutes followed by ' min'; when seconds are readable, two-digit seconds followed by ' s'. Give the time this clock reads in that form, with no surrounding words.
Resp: 12 h 17 min
